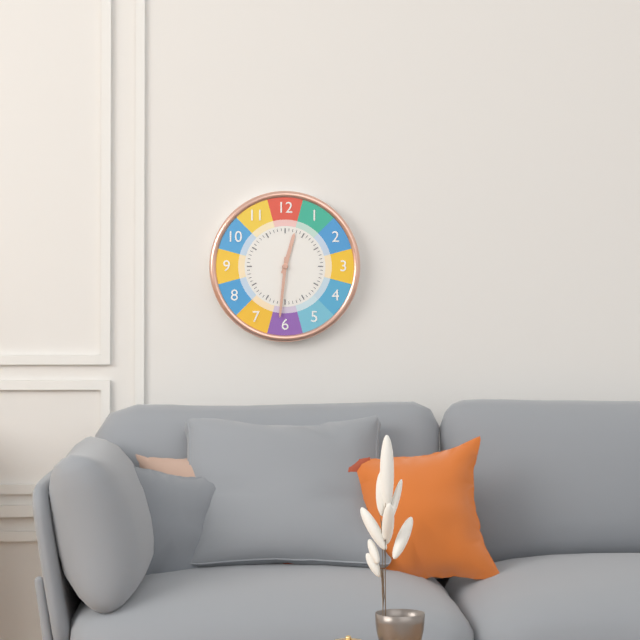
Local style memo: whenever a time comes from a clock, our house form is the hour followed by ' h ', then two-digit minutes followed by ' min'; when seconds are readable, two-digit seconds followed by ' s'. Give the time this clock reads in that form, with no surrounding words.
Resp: 12 h 31 min
